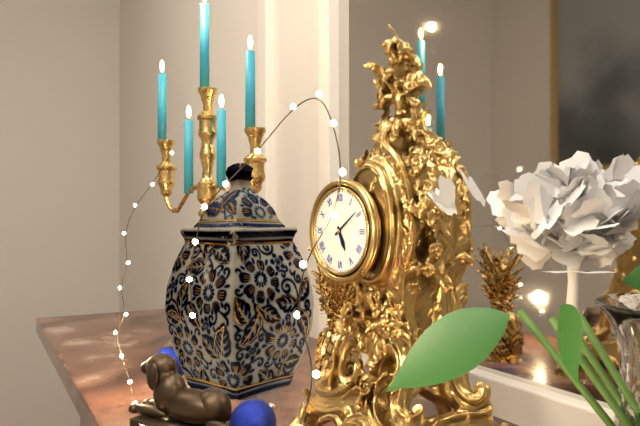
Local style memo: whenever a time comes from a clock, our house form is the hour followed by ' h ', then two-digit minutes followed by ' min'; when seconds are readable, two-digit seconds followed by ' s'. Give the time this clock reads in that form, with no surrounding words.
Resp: 5 h 09 min
